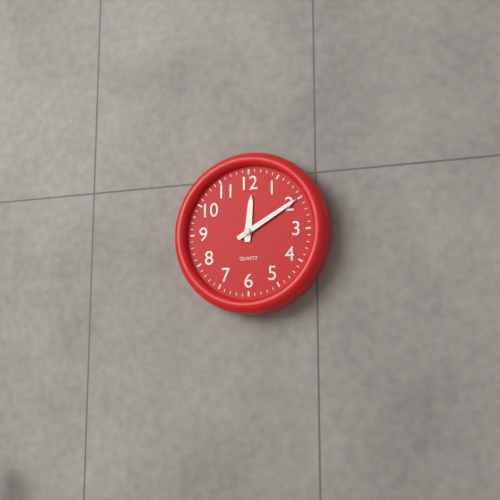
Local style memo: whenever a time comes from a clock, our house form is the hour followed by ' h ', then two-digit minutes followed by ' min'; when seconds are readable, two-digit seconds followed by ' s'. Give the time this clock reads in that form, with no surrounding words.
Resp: 12 h 10 min
